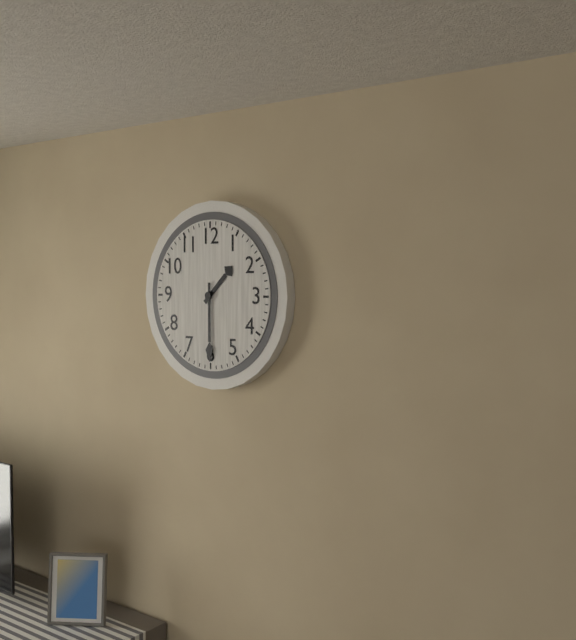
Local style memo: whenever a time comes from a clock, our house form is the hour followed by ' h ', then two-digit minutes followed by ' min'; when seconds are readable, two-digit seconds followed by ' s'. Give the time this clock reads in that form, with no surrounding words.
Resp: 1 h 30 min
